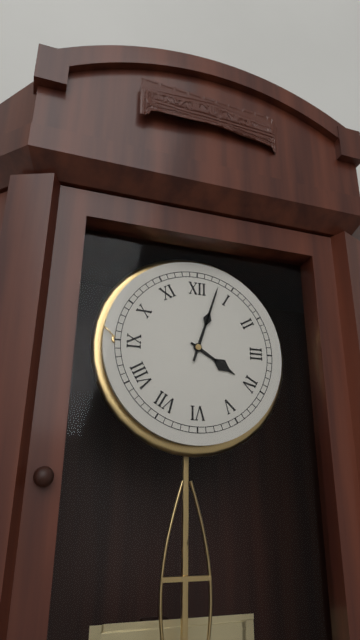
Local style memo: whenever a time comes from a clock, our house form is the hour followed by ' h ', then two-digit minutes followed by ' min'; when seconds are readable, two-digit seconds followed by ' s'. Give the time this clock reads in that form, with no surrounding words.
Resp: 4 h 03 min
